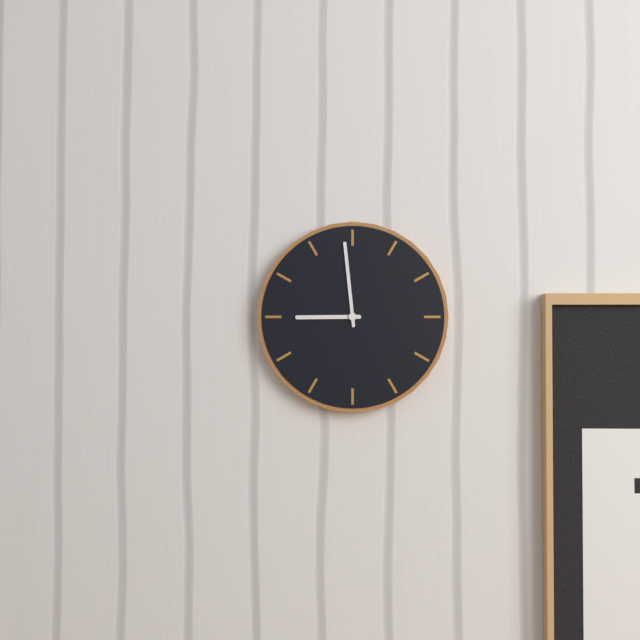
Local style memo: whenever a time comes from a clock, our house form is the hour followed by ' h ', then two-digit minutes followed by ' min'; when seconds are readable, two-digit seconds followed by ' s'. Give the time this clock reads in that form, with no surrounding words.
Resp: 8 h 59 min
